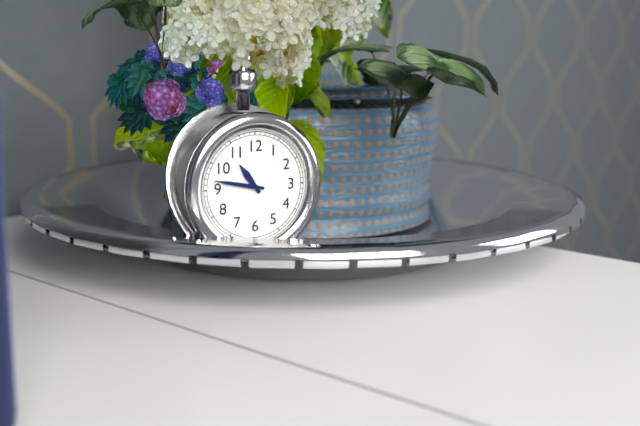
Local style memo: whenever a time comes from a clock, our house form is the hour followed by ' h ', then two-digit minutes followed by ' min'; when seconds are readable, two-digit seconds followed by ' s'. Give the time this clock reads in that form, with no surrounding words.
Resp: 10 h 47 min
